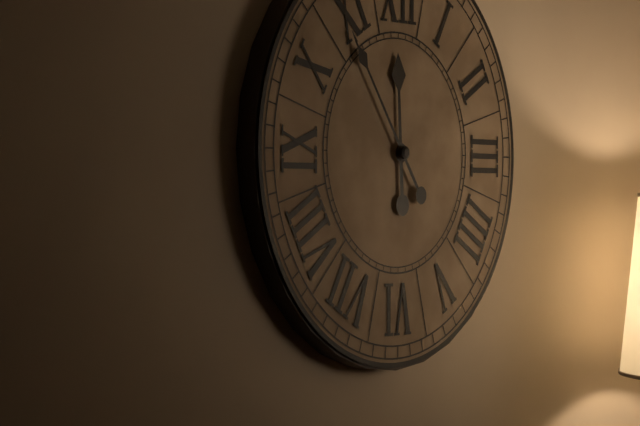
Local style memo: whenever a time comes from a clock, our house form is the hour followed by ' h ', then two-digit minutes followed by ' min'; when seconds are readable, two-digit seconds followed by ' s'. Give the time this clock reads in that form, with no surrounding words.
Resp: 11 h 54 min
